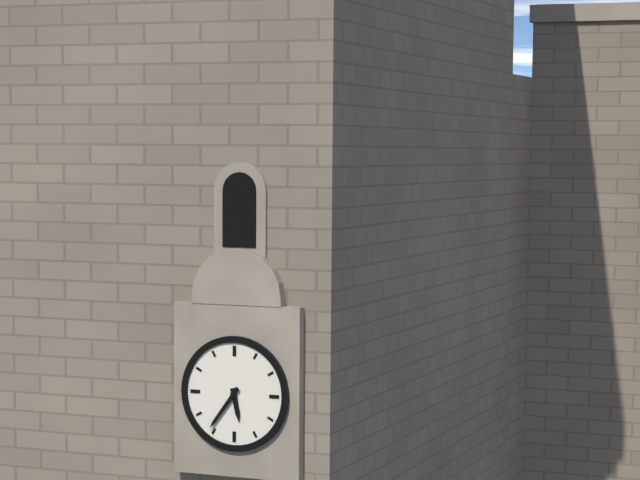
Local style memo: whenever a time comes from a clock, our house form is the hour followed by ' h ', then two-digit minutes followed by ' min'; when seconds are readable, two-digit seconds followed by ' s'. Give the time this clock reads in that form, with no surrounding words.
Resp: 5 h 36 min
